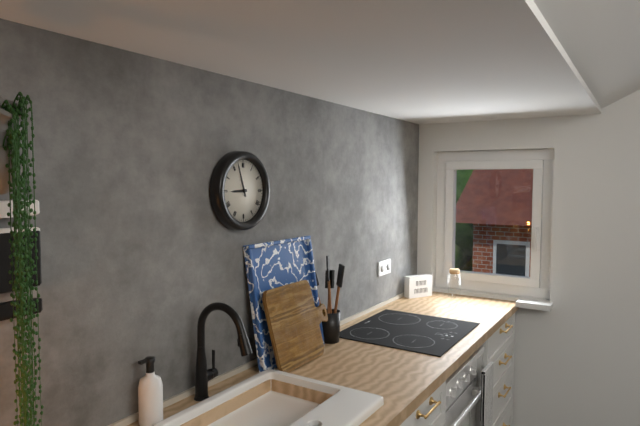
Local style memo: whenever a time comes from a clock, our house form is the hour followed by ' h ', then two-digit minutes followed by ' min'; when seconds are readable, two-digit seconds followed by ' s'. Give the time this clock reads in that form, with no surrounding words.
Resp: 8 h 57 min
